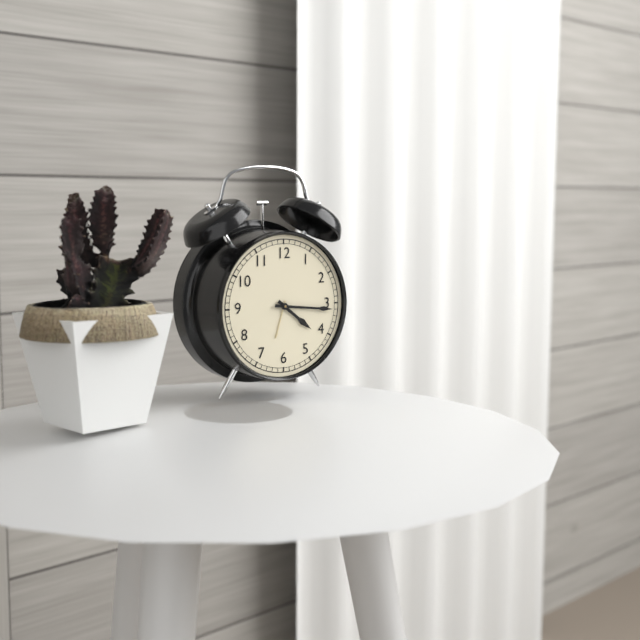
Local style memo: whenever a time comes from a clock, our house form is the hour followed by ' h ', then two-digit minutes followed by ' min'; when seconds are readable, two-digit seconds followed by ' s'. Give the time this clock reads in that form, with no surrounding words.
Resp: 4 h 16 min
